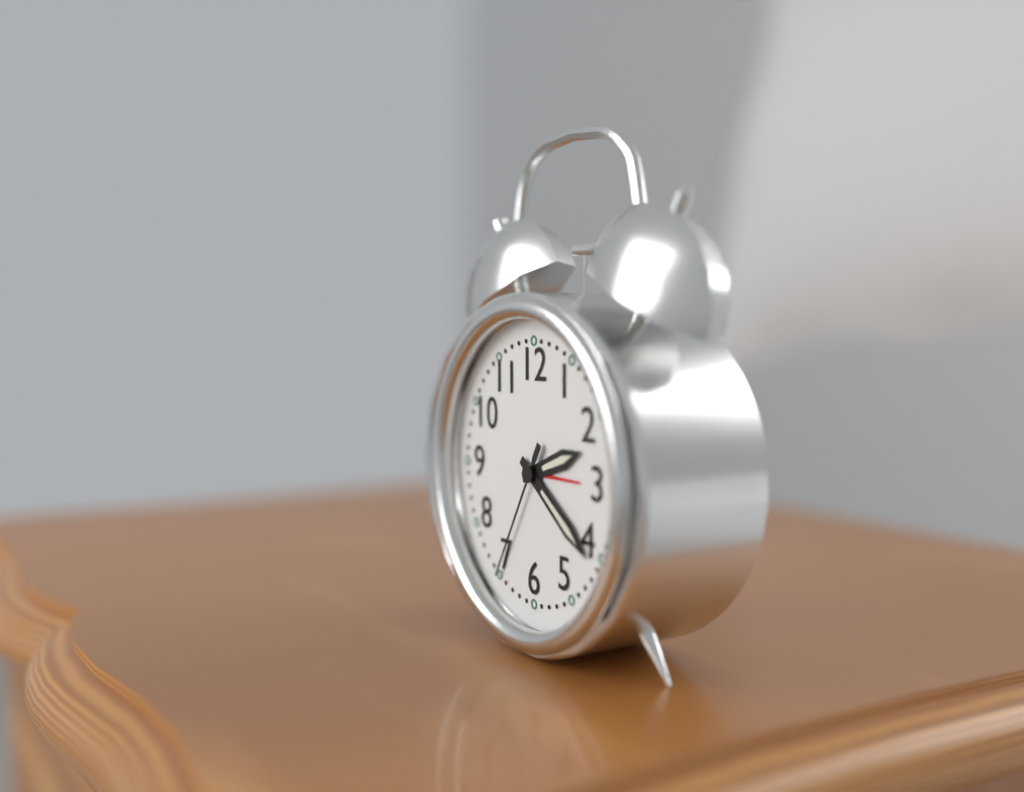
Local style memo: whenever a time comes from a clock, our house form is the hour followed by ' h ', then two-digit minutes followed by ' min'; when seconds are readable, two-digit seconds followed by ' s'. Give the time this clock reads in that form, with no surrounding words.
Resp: 2 h 21 min 35 s
